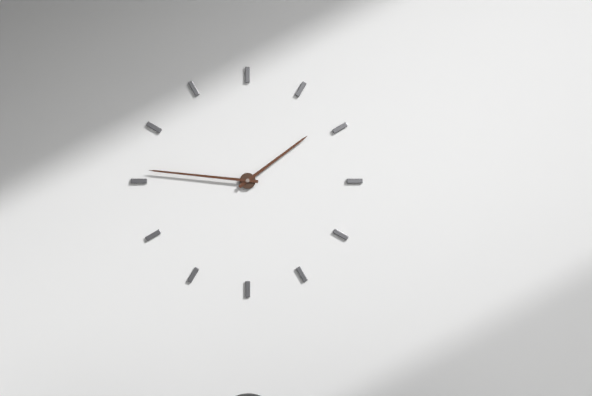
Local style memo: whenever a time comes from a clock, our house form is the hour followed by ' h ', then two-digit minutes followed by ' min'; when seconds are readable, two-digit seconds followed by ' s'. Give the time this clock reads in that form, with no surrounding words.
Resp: 1 h 46 min
